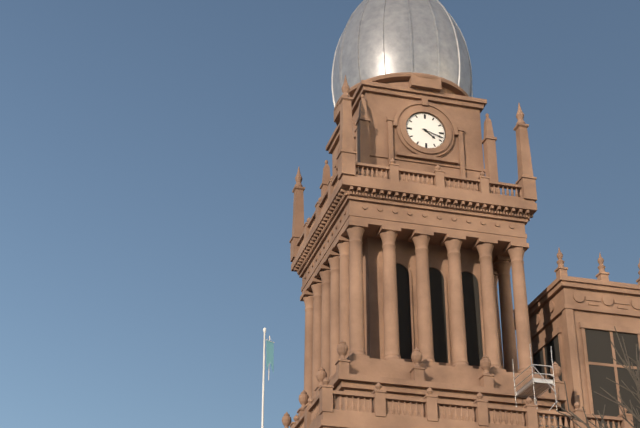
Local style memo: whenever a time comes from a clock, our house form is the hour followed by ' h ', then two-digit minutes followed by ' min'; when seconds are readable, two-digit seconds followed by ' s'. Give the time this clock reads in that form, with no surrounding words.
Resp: 4 h 18 min
